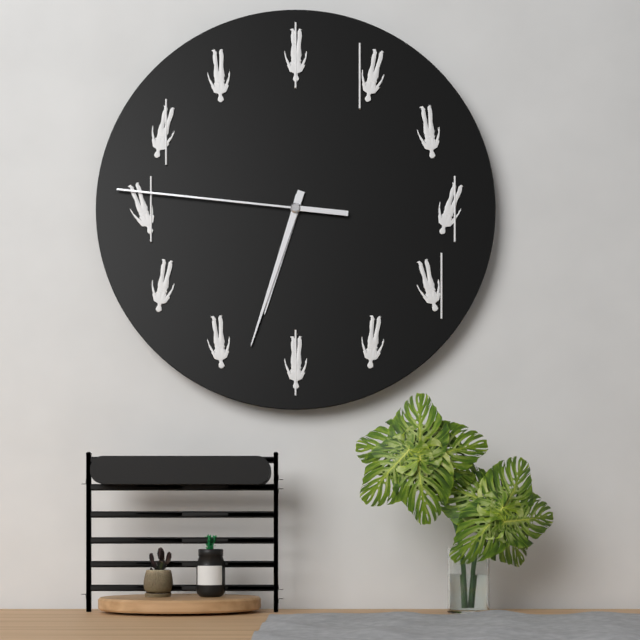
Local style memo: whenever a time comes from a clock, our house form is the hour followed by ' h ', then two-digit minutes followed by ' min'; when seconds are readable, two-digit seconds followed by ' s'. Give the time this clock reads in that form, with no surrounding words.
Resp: 6 h 33 min 46 s
